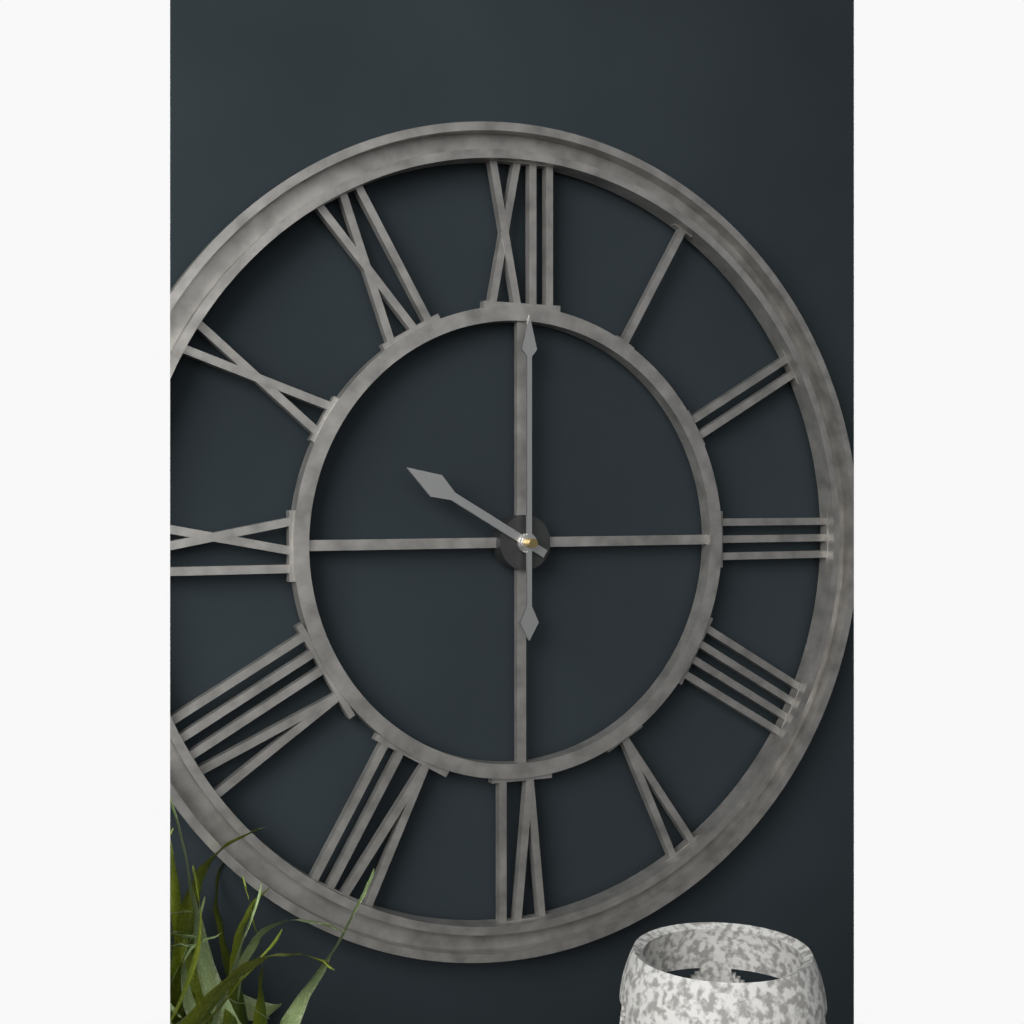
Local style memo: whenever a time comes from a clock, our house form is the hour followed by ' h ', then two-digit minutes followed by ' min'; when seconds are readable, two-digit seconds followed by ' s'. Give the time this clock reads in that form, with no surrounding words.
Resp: 10 h 00 min
